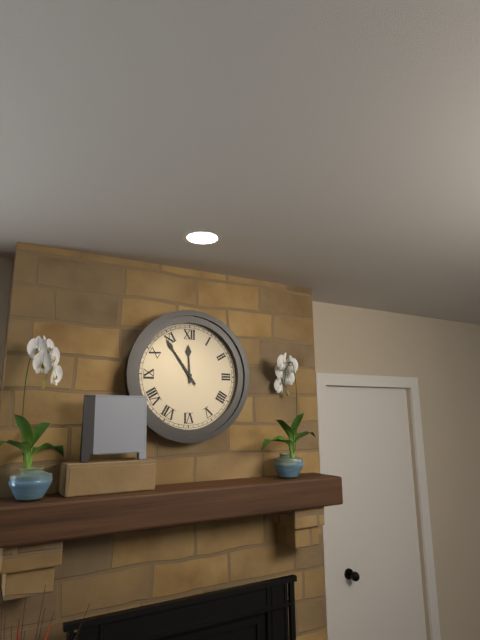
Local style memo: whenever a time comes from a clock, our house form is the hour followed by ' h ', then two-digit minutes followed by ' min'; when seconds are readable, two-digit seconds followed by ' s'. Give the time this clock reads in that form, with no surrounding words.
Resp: 11 h 54 min
